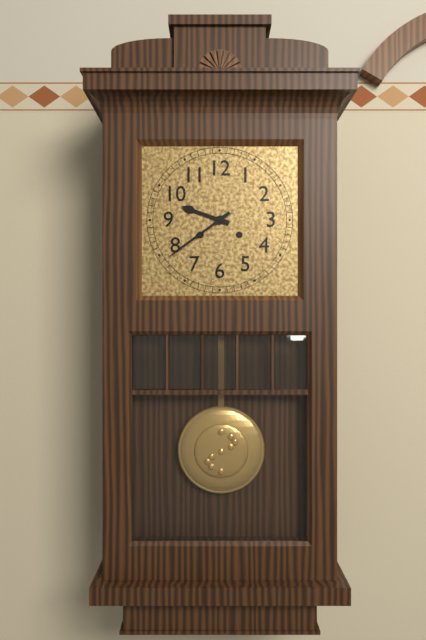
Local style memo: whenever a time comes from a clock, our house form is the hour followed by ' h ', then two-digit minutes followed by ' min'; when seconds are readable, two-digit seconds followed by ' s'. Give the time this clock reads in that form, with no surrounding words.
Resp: 9 h 39 min
